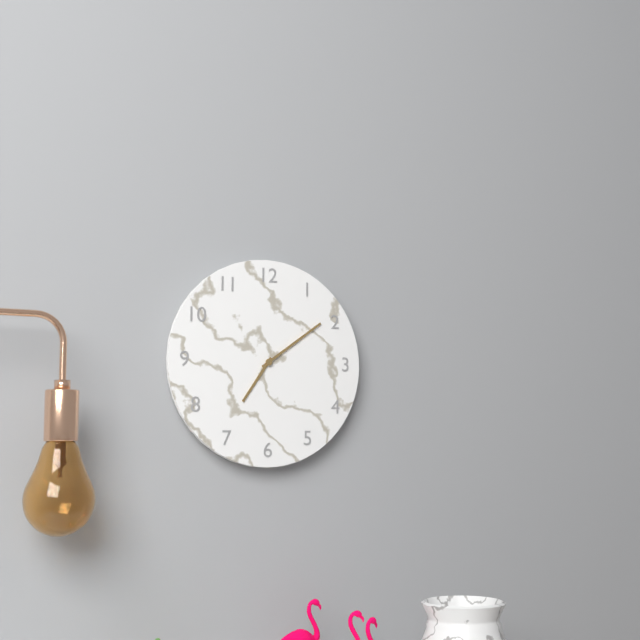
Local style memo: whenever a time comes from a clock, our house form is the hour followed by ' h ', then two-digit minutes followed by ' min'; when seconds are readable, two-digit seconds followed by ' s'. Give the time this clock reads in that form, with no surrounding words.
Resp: 7 h 09 min
